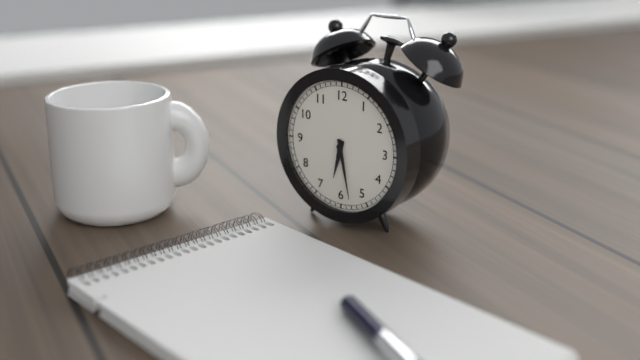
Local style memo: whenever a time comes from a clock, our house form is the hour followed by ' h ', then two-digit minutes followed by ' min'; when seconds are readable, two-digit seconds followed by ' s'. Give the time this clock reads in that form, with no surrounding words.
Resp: 6 h 28 min
